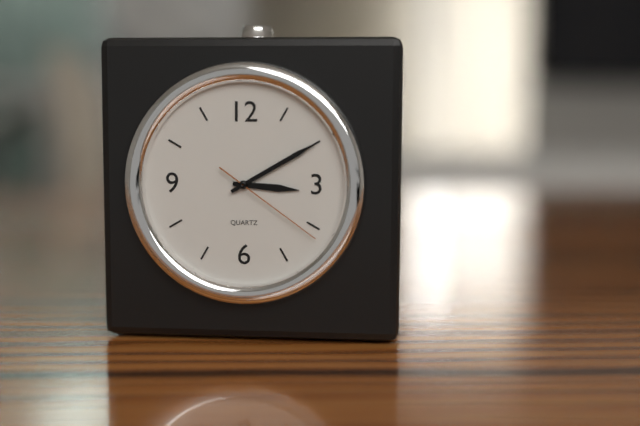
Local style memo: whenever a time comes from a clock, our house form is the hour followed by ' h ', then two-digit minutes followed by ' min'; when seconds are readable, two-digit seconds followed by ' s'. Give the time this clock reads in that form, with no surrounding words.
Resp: 3 h 10 min 21 s
